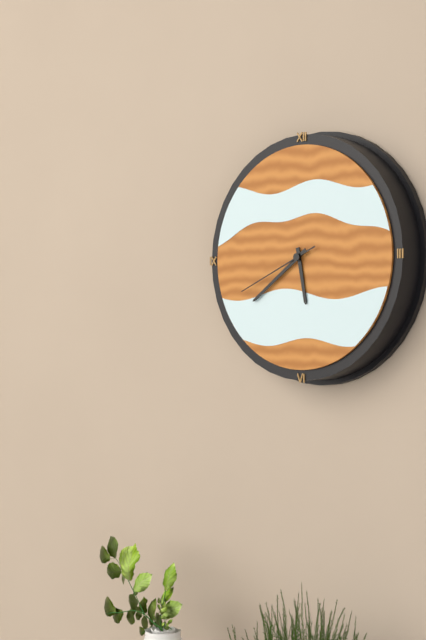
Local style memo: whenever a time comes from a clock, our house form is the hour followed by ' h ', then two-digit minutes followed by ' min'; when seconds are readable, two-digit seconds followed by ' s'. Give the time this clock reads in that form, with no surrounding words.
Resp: 5 h 39 min 41 s
